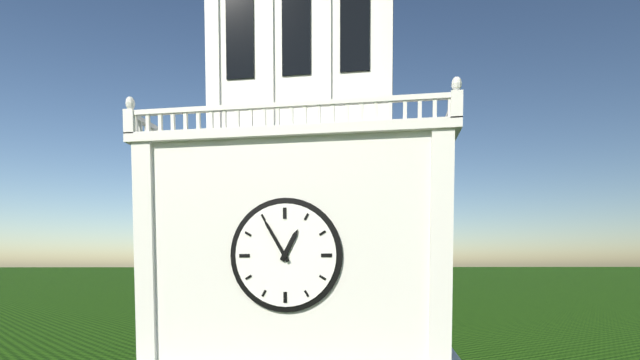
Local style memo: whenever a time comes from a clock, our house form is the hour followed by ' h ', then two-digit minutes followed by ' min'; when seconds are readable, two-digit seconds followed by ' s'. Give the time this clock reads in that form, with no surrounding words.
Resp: 12 h 55 min
